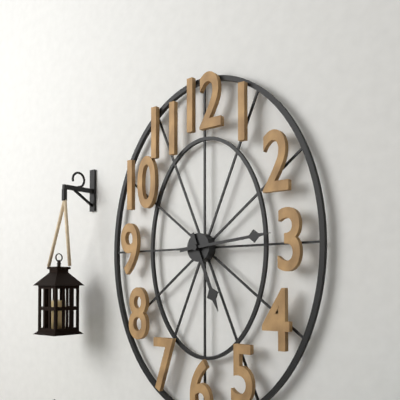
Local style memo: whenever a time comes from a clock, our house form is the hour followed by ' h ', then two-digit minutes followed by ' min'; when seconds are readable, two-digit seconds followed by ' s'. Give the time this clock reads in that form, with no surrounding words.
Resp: 5 h 14 min
